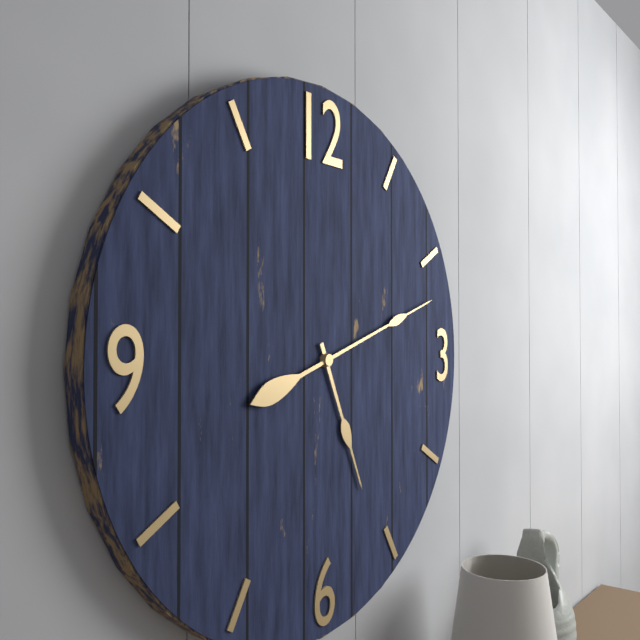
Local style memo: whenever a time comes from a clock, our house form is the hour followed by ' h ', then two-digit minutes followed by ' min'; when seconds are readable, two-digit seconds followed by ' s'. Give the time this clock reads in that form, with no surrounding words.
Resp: 5 h 12 min
